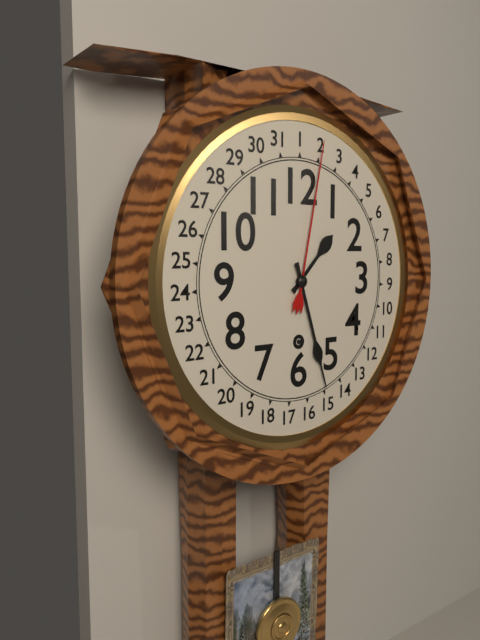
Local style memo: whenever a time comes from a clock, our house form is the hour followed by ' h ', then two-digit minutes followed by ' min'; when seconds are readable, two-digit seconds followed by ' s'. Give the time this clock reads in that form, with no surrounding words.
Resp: 1 h 27 min
